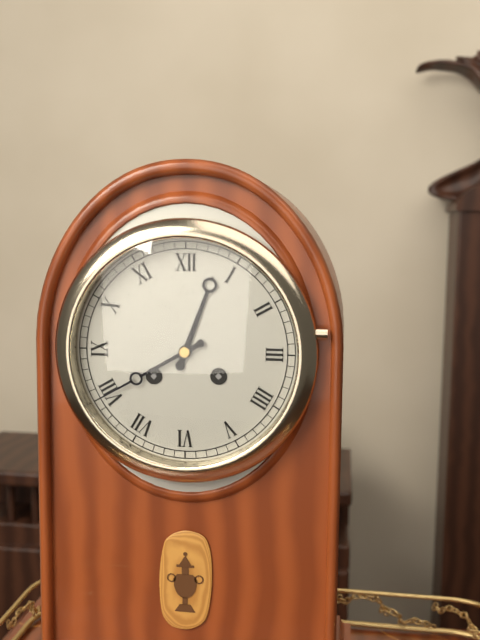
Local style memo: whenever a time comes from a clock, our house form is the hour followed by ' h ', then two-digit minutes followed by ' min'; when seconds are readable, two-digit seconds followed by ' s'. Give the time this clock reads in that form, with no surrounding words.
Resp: 12 h 40 min
